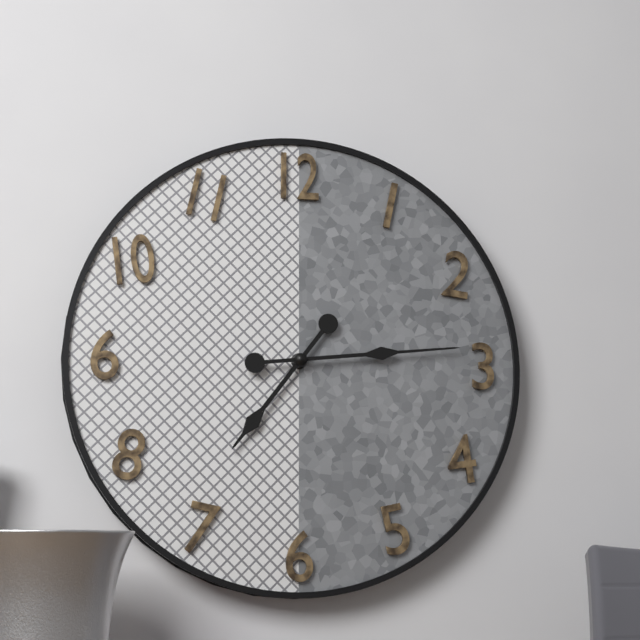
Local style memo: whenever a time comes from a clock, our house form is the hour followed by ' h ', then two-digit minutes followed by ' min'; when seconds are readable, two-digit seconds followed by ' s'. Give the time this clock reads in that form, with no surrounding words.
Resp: 7 h 14 min
